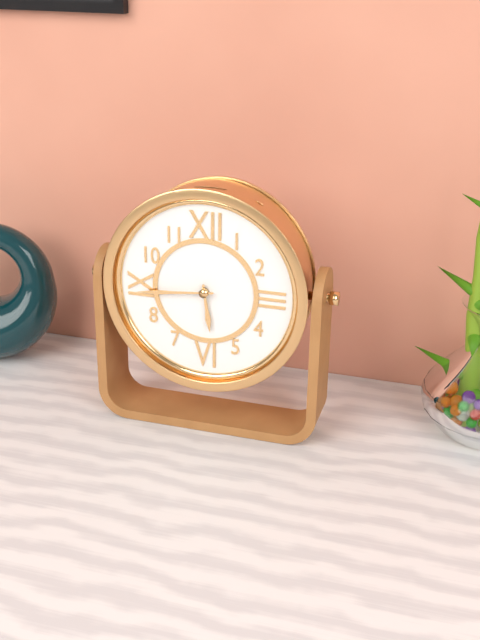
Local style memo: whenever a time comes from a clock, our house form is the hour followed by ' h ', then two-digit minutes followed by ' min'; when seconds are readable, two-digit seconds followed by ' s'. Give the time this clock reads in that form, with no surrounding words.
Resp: 5 h 44 min
